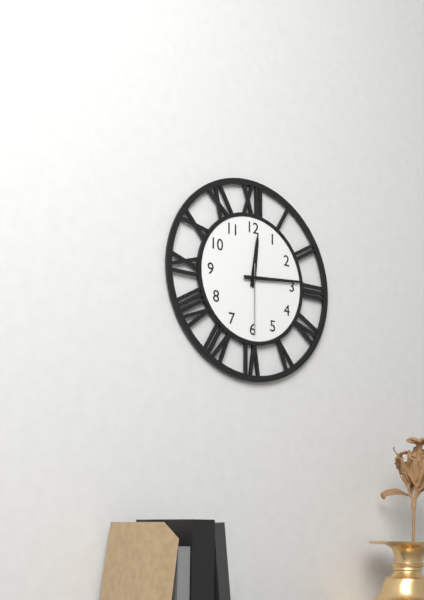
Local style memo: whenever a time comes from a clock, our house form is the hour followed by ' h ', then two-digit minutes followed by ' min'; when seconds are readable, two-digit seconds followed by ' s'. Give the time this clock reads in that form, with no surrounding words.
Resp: 12 h 14 min 30 s
